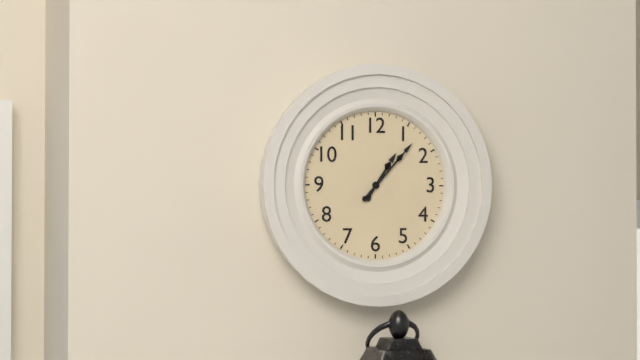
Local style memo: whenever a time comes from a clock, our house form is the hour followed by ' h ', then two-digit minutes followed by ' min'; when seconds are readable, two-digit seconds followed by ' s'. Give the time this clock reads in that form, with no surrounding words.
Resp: 1 h 07 min
